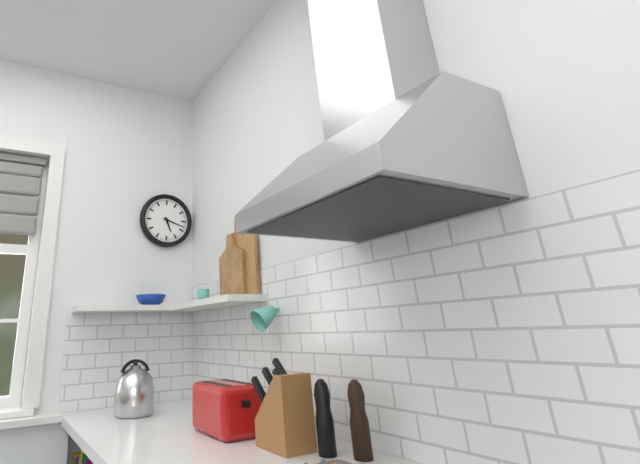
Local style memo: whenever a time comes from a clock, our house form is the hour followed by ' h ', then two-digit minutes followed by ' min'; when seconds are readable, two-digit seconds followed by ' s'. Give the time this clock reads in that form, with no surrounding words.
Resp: 5 h 18 min
